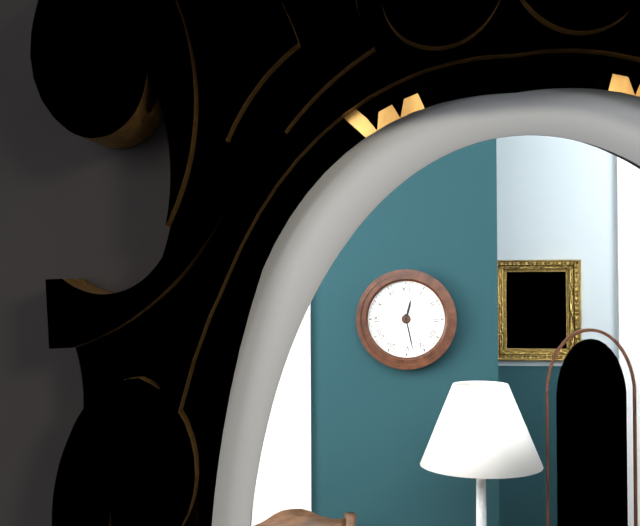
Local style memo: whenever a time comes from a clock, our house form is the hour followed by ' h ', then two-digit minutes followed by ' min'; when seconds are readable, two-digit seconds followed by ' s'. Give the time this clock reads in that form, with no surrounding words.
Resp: 12 h 28 min
